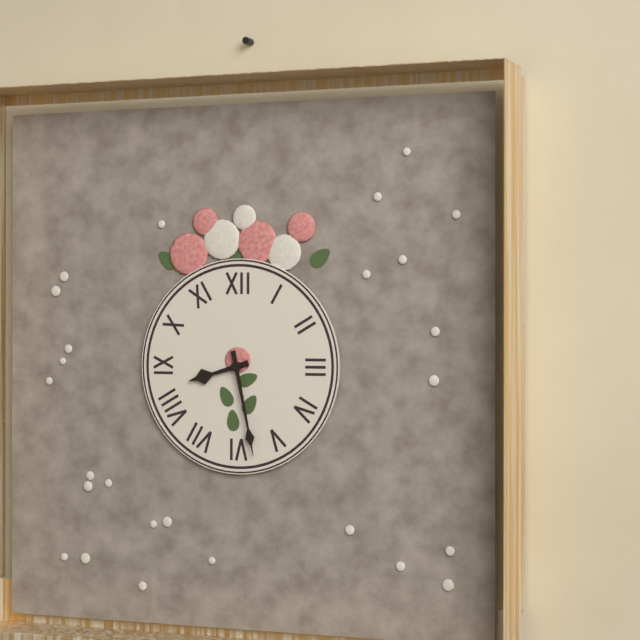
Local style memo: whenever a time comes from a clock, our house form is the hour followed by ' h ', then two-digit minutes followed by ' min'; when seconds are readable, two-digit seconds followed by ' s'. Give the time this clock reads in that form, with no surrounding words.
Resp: 8 h 28 min
